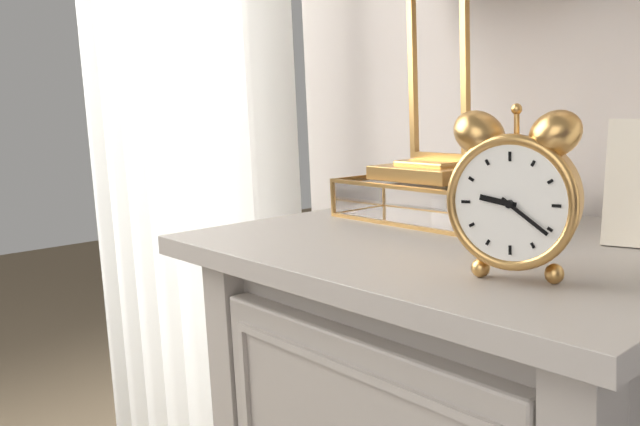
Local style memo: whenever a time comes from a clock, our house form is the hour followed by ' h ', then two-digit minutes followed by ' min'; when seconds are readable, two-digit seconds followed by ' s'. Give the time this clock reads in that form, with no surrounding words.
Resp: 9 h 21 min
